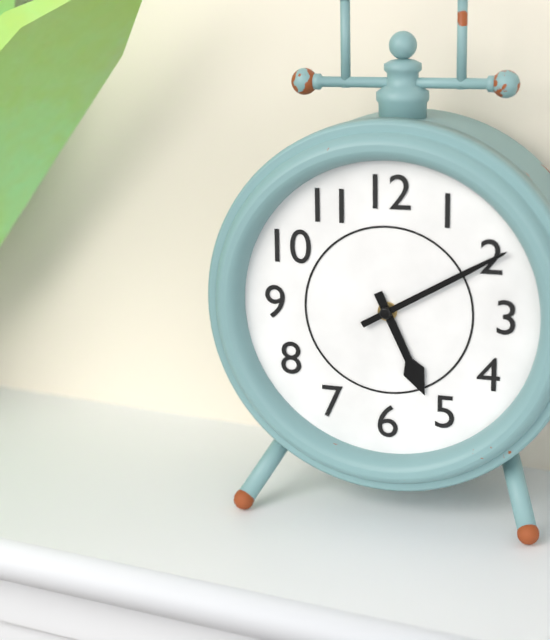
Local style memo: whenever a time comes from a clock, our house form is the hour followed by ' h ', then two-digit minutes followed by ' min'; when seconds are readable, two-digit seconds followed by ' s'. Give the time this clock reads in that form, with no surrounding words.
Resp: 5 h 10 min
